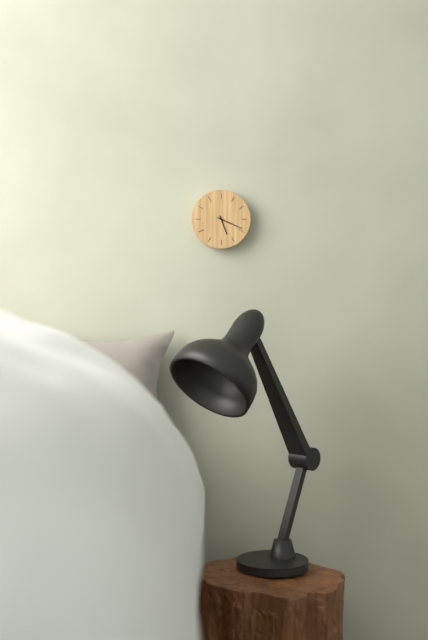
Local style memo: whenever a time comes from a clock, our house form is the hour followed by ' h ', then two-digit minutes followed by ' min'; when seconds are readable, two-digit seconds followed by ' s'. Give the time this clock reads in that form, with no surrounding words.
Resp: 5 h 19 min
